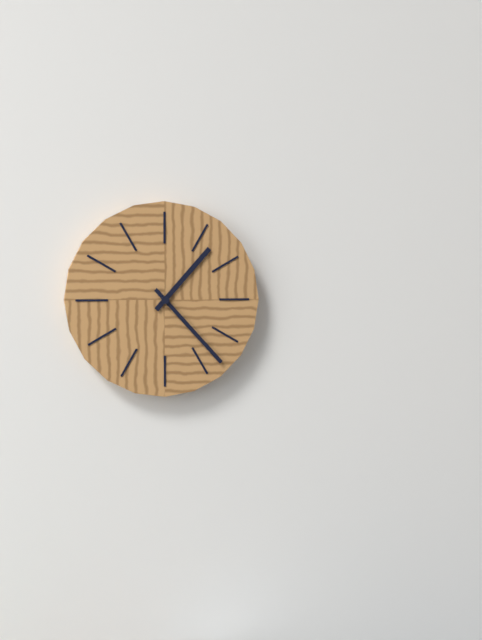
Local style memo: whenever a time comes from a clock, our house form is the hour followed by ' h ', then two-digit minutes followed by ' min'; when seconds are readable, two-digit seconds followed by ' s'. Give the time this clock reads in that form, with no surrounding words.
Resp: 1 h 23 min
